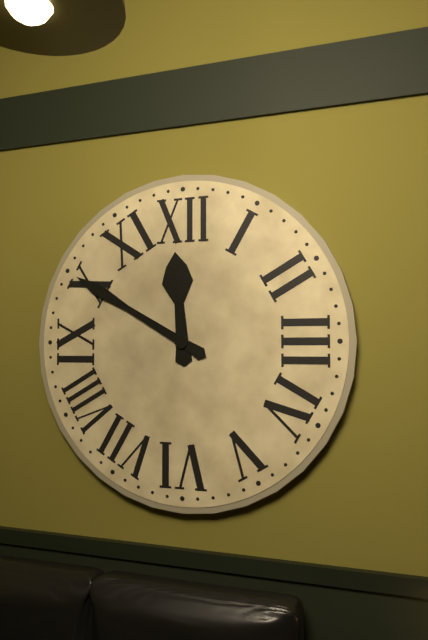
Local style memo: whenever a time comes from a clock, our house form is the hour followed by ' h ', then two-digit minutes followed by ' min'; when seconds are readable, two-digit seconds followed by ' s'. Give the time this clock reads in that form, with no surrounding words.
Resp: 11 h 50 min
